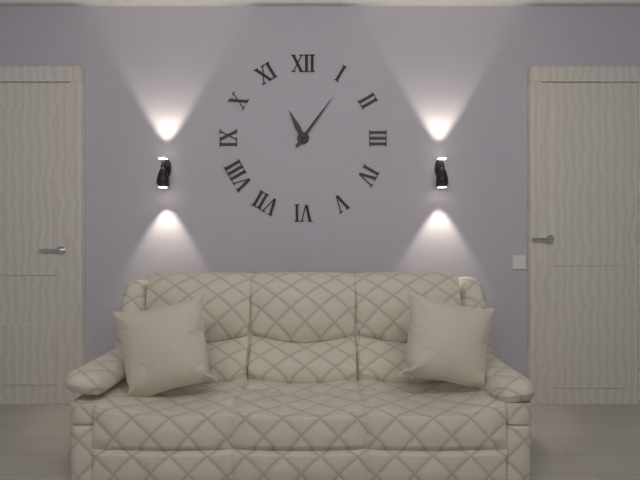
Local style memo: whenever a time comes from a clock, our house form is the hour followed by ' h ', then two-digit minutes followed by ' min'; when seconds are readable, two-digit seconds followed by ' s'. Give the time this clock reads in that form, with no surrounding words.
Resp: 11 h 06 min
